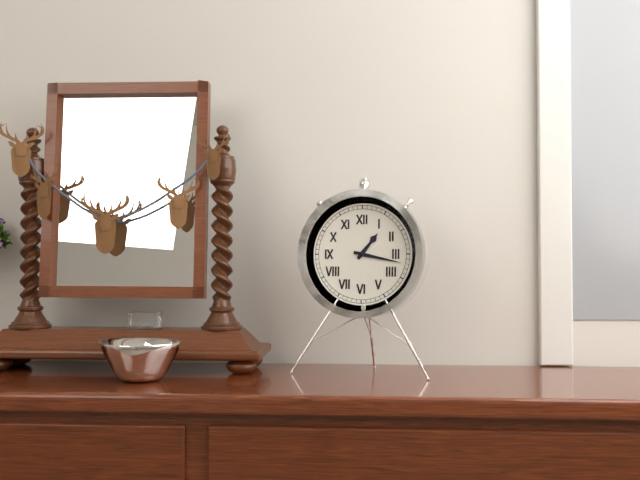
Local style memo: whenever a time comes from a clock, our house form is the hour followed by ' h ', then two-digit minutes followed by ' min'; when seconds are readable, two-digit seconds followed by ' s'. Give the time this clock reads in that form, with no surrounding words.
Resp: 1 h 17 min
